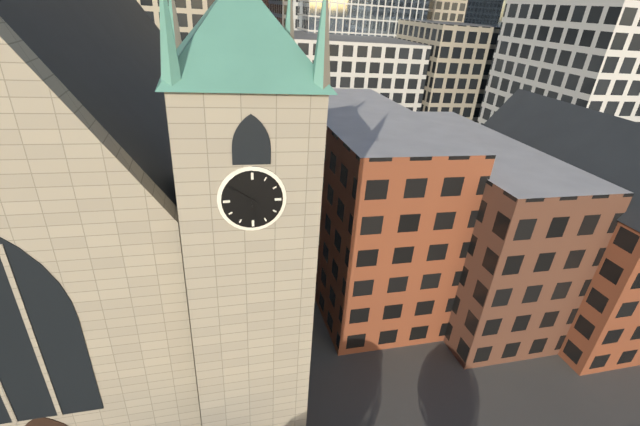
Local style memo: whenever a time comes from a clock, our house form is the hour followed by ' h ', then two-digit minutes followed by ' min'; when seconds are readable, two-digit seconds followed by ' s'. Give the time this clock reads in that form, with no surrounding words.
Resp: 5 h 51 min
